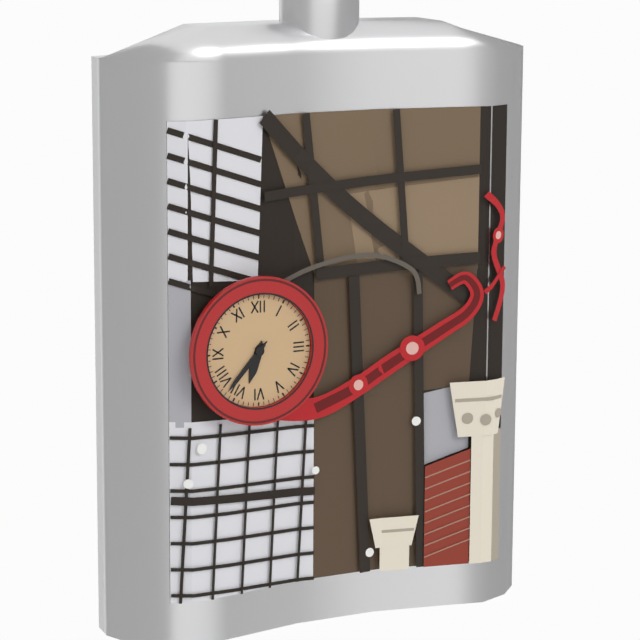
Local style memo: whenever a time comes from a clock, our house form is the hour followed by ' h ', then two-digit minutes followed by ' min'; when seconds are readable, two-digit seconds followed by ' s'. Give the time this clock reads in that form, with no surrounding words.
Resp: 6 h 37 min
